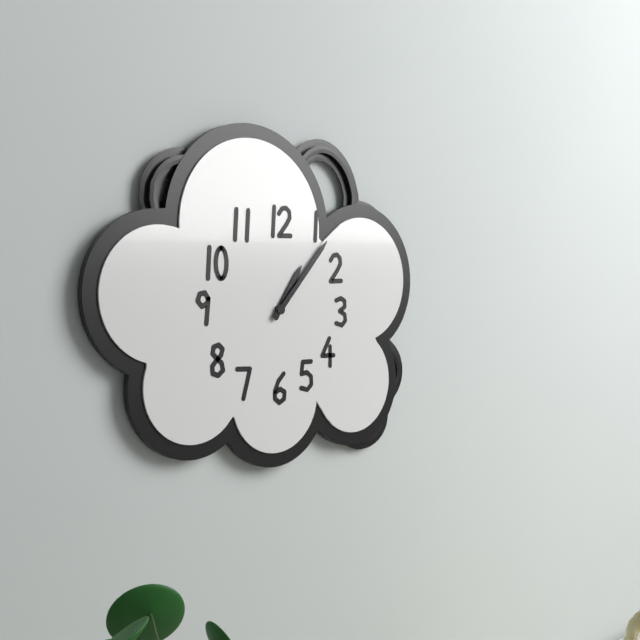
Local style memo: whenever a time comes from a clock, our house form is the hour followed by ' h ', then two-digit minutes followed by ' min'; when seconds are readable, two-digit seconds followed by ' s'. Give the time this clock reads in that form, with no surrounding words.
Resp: 1 h 07 min
